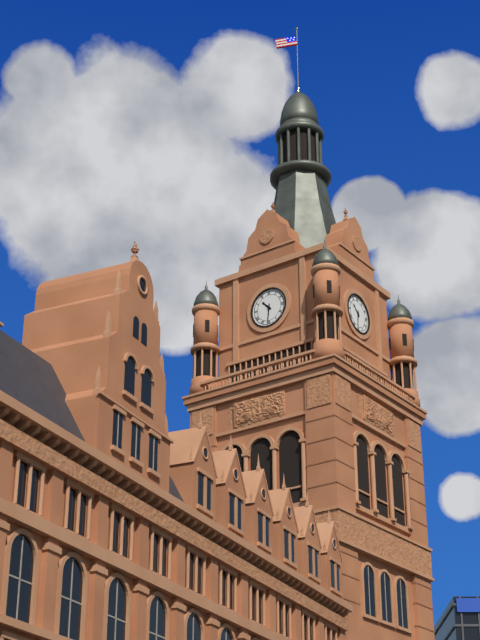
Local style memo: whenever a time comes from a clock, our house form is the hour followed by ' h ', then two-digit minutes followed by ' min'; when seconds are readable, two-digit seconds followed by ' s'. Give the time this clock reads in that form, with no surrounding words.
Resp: 10 h 31 min
